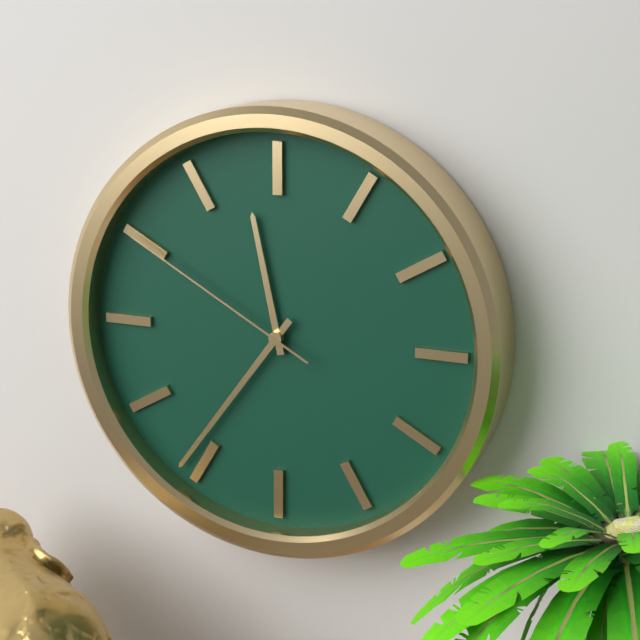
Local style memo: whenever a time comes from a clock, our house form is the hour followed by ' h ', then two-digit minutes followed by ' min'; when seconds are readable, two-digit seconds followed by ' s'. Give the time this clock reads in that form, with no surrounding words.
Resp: 11 h 36 min 50 s
